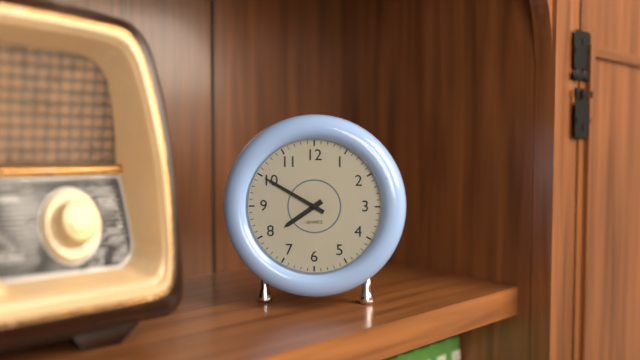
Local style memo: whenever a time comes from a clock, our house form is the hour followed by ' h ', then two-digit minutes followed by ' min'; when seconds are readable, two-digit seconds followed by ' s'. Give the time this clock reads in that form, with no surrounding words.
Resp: 7 h 50 min
